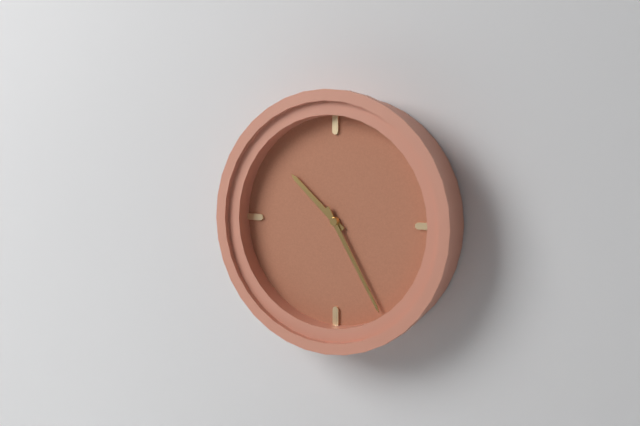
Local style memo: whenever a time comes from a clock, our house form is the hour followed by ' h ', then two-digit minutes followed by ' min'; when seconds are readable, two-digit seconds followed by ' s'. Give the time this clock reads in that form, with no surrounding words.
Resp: 10 h 25 min
